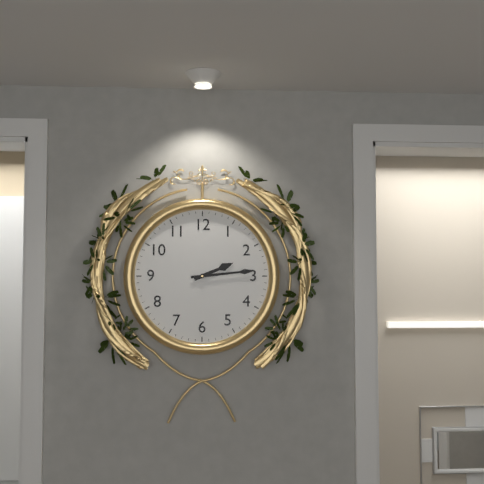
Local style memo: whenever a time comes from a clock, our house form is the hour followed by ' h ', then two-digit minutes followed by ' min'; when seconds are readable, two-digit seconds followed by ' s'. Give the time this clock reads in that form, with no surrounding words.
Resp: 2 h 14 min
